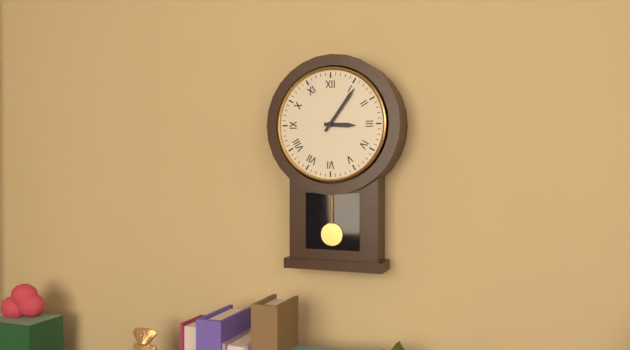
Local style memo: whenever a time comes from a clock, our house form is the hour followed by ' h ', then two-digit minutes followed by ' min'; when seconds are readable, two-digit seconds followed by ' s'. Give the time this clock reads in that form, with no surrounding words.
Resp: 3 h 06 min
